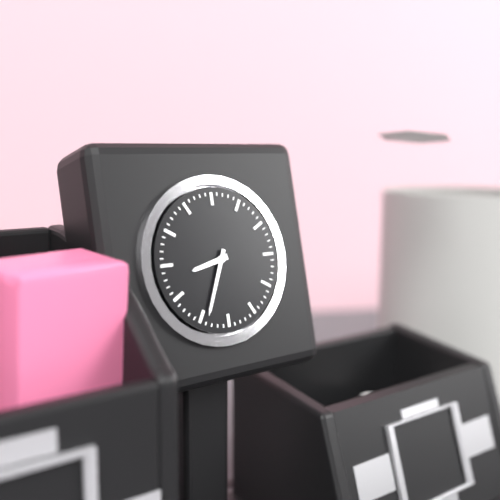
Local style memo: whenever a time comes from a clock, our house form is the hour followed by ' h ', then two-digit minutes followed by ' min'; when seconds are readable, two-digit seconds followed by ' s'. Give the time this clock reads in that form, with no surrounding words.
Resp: 8 h 34 min
